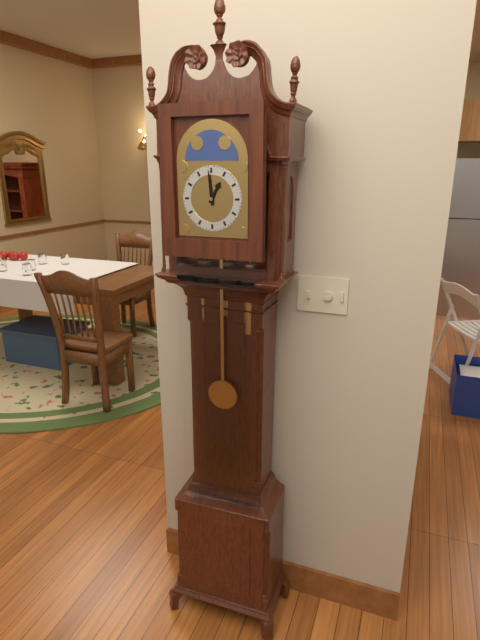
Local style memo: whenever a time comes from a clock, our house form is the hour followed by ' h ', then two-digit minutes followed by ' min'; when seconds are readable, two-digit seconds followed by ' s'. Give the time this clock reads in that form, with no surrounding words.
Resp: 12 h 59 min
